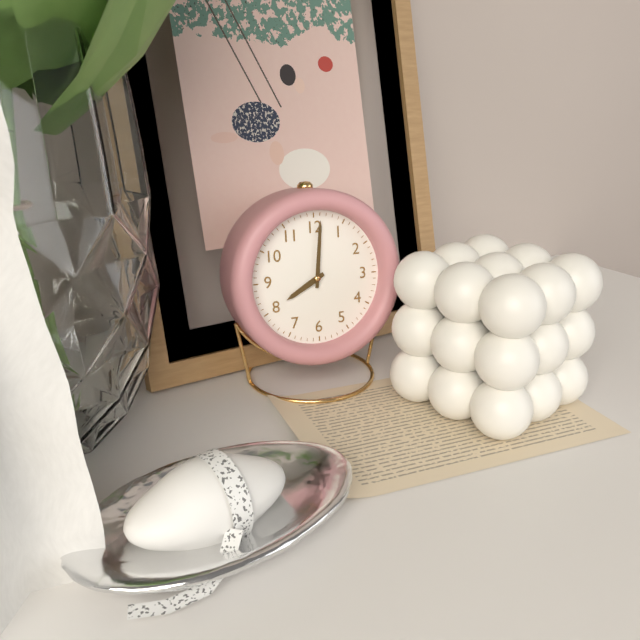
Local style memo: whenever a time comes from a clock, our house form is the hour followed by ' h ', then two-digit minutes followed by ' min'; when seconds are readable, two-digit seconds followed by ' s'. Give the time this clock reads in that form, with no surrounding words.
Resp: 8 h 01 min
